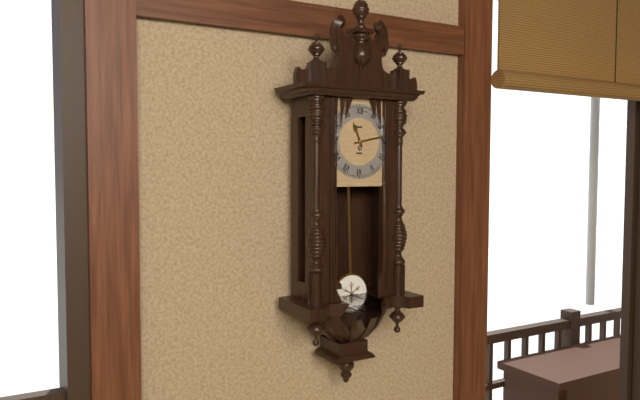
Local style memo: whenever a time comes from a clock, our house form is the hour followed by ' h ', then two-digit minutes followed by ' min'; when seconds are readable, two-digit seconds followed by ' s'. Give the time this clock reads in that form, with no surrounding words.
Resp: 11 h 13 min
